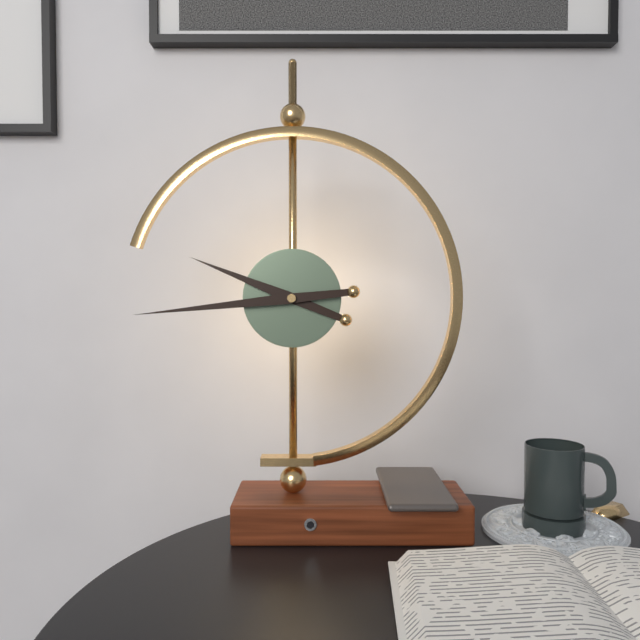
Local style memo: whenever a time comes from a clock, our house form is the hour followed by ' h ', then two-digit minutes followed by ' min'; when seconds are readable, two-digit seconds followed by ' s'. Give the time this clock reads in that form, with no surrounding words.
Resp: 9 h 44 min
